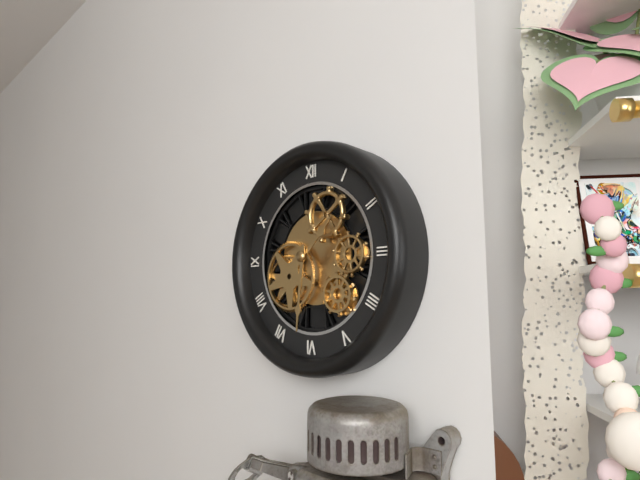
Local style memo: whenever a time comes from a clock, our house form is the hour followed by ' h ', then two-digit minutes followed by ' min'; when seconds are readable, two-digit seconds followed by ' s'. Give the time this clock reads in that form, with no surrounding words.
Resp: 1 h 31 min
